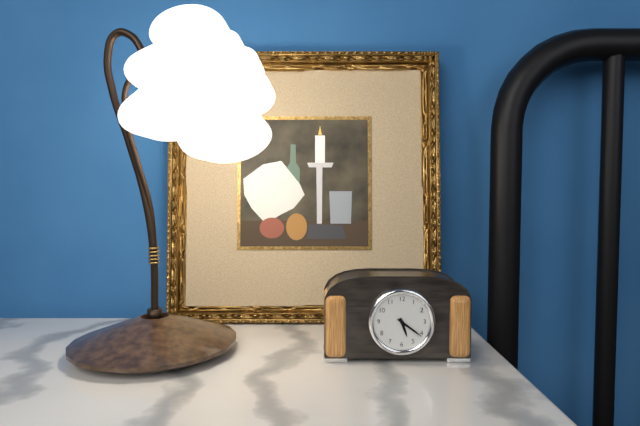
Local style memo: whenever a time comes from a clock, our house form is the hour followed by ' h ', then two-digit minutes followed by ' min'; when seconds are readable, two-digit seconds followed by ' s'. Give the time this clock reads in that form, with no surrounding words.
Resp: 5 h 21 min
